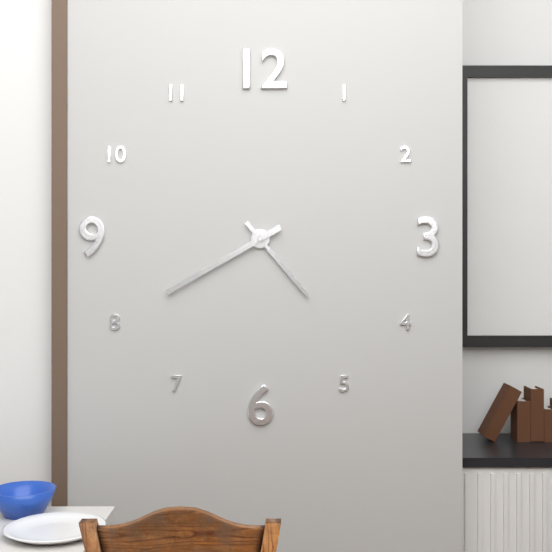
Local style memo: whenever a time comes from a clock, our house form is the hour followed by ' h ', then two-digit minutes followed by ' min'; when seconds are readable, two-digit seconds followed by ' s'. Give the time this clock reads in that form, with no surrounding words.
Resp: 4 h 40 min
